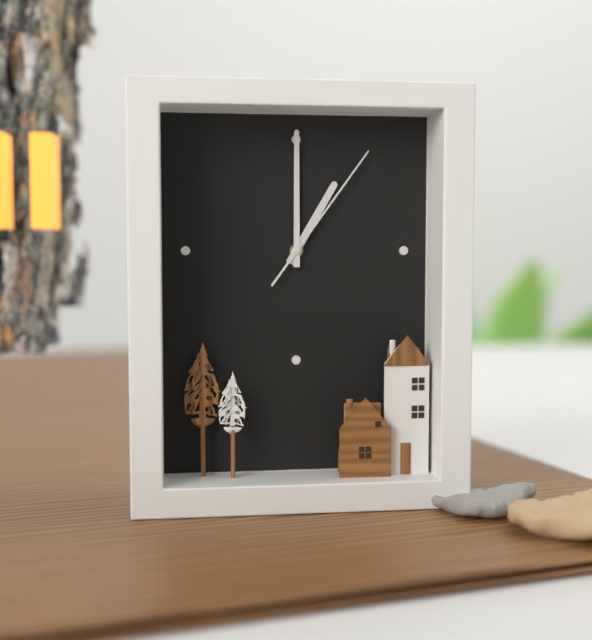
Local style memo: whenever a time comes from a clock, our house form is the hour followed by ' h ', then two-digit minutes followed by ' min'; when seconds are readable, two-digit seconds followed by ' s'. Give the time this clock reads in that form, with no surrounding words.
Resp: 1 h 00 min 06 s
